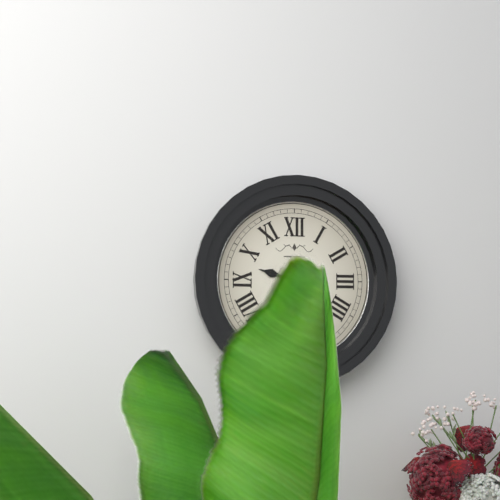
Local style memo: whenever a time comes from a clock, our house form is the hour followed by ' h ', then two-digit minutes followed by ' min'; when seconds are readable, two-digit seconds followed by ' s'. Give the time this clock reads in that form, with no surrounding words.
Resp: 9 h 32 min
